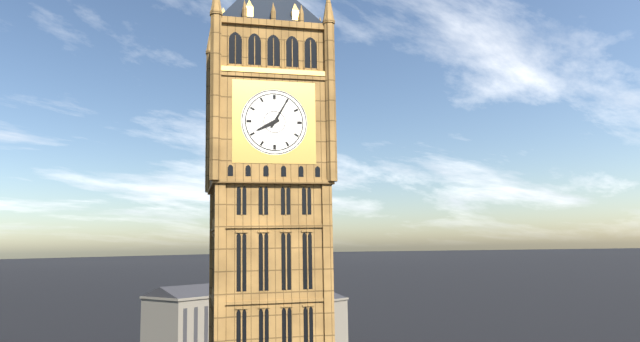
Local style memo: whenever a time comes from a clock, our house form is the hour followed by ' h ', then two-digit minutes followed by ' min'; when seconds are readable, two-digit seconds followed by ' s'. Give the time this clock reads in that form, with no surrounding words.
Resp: 8 h 05 min
